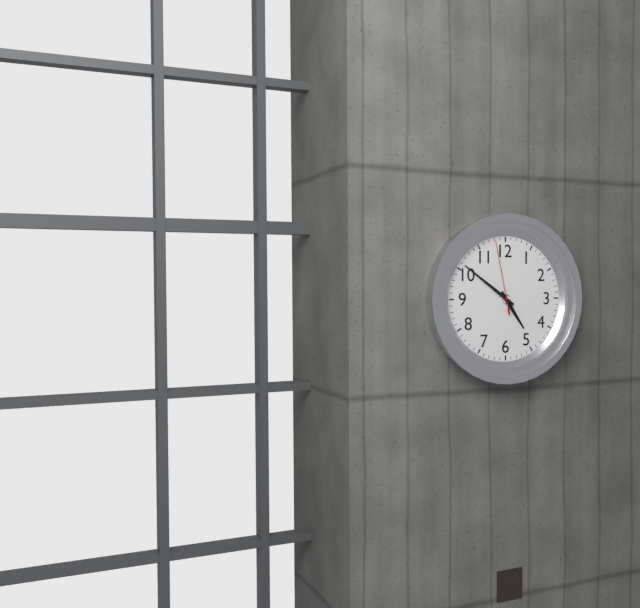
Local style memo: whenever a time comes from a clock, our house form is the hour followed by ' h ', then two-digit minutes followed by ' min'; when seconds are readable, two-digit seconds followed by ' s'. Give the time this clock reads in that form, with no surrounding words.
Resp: 4 h 51 min 58 s
